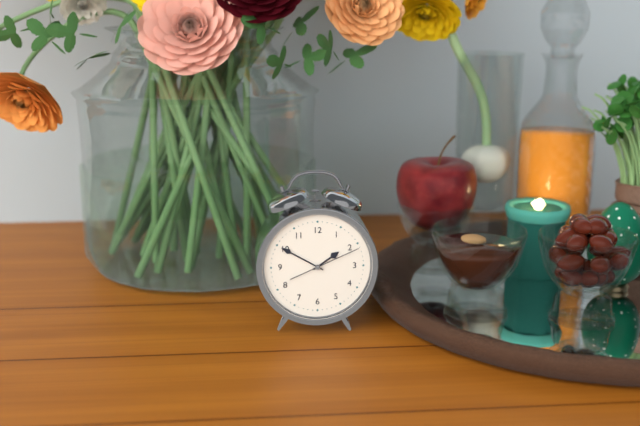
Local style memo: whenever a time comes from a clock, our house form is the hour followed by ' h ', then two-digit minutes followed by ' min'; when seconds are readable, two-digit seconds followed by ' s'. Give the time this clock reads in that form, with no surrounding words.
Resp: 1 h 50 min 11 s
